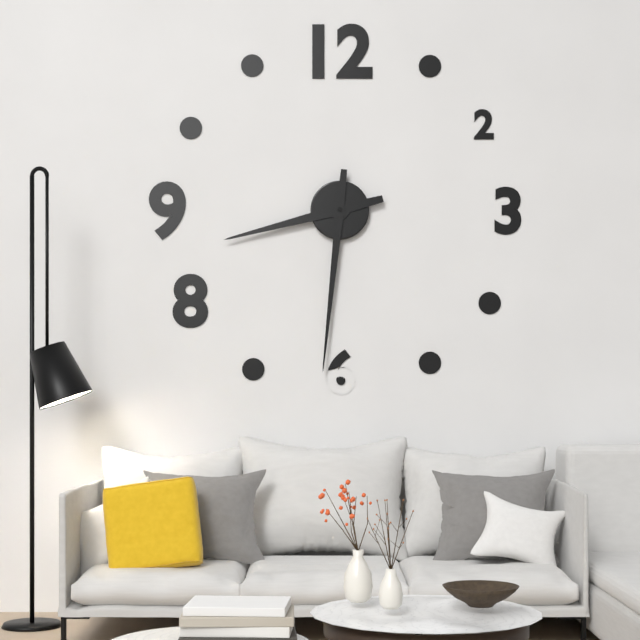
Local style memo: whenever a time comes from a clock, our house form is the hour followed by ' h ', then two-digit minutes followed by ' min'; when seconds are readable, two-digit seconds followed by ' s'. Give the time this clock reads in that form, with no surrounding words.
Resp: 8 h 31 min
